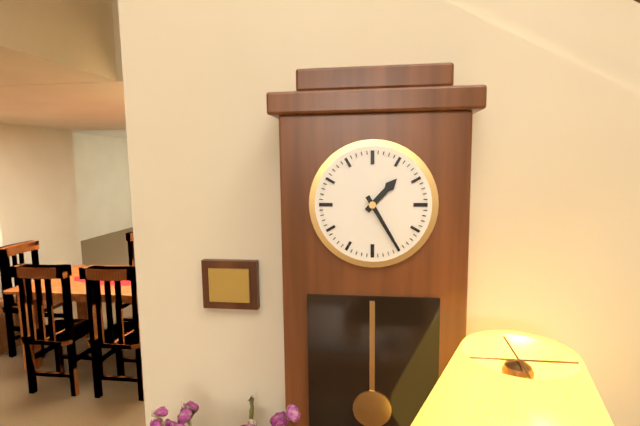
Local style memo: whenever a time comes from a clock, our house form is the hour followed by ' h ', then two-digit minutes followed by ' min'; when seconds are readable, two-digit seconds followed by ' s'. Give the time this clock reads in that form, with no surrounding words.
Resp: 1 h 25 min
